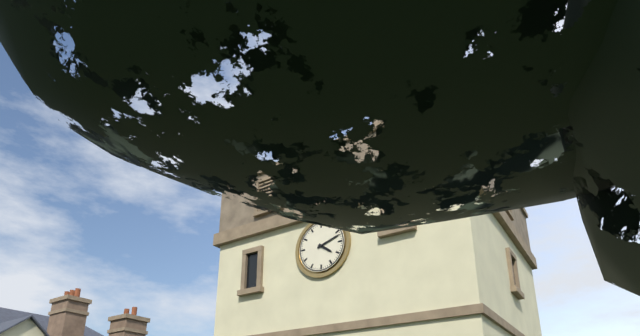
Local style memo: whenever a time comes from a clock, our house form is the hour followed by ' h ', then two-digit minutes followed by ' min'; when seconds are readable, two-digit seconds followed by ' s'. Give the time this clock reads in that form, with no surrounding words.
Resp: 4 h 12 min
